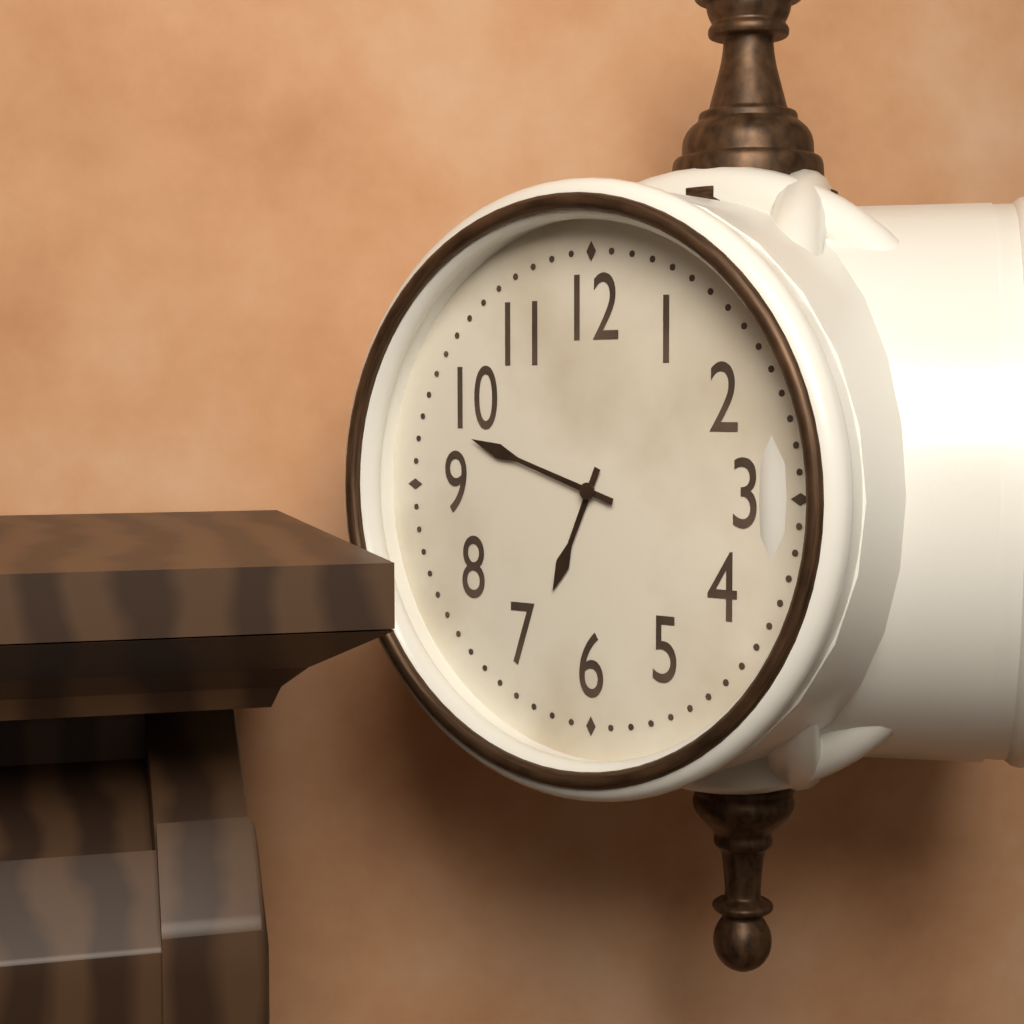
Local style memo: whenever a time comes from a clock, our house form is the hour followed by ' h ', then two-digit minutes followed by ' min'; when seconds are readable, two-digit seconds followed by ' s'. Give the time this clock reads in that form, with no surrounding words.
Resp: 6 h 48 min
